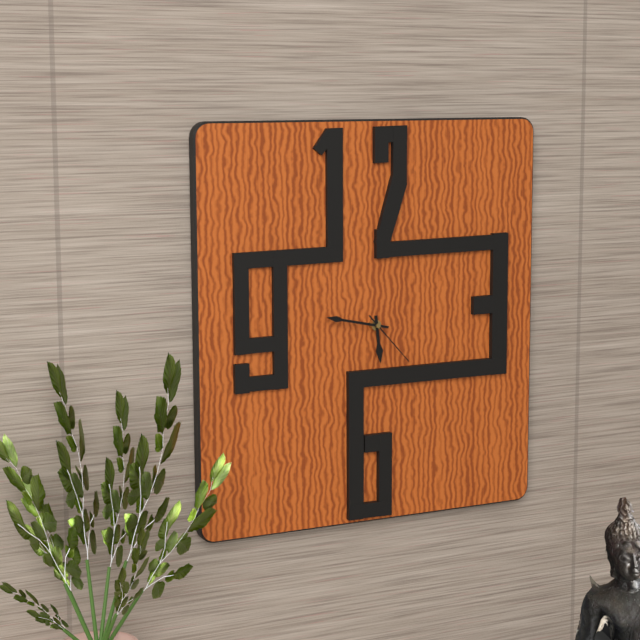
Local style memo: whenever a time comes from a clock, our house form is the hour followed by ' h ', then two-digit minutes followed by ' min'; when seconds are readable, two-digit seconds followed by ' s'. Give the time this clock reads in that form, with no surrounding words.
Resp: 5 h 47 min 23 s
